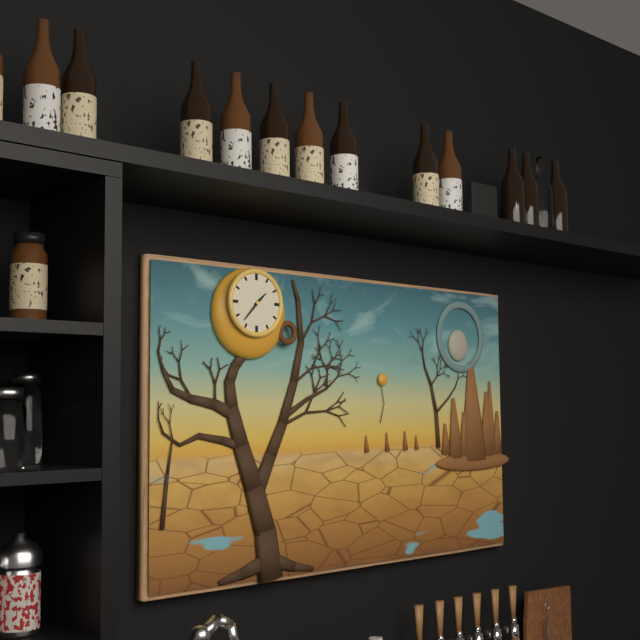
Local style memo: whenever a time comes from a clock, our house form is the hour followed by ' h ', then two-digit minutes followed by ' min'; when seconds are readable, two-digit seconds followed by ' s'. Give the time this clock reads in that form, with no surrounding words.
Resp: 1 h 37 min
